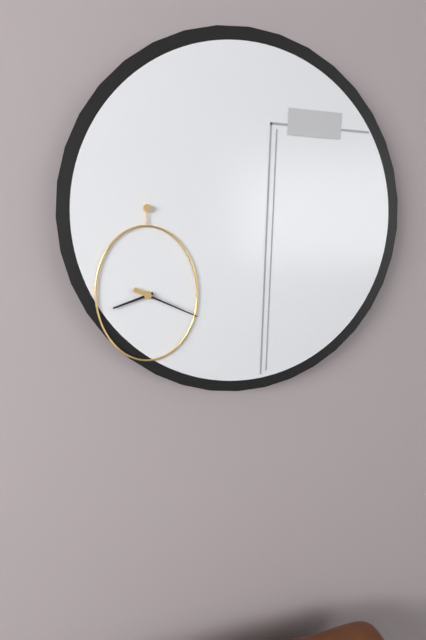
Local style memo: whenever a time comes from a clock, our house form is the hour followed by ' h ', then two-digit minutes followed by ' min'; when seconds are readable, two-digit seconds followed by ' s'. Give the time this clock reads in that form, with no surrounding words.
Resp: 8 h 19 min
